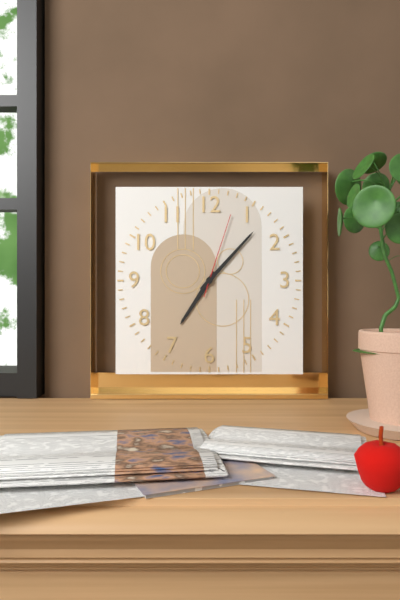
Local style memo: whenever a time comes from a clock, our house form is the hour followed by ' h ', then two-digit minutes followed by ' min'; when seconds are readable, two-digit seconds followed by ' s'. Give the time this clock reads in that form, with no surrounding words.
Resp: 7 h 07 min 03 s
